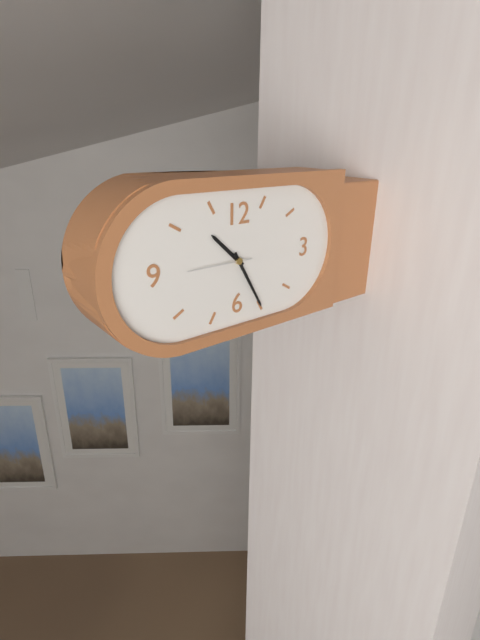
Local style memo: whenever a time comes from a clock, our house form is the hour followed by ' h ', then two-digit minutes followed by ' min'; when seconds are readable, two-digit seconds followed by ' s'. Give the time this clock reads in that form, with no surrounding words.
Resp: 10 h 25 min
